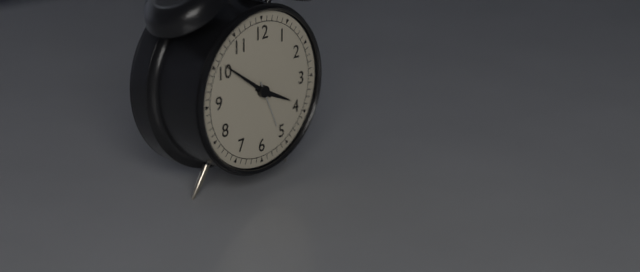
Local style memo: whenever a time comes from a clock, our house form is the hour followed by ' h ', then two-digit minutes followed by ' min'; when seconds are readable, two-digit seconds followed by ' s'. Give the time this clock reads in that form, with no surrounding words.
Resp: 3 h 51 min
